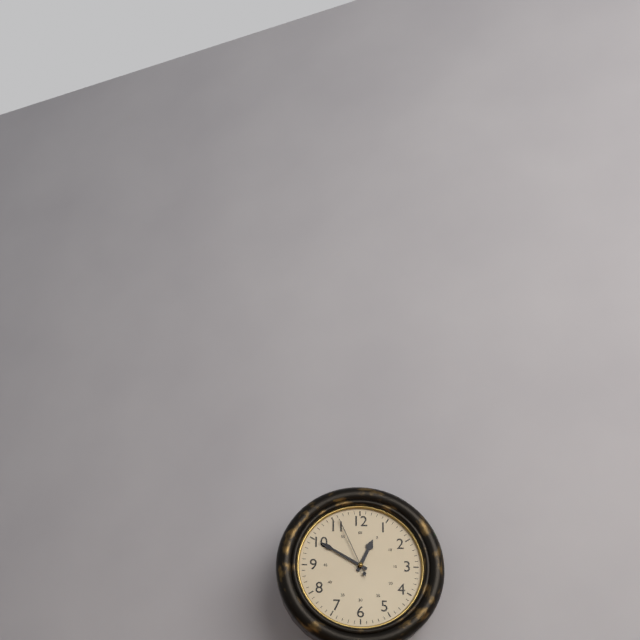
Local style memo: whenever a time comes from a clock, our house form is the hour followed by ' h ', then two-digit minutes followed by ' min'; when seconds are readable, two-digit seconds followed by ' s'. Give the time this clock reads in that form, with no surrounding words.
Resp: 12 h 50 min 56 s
